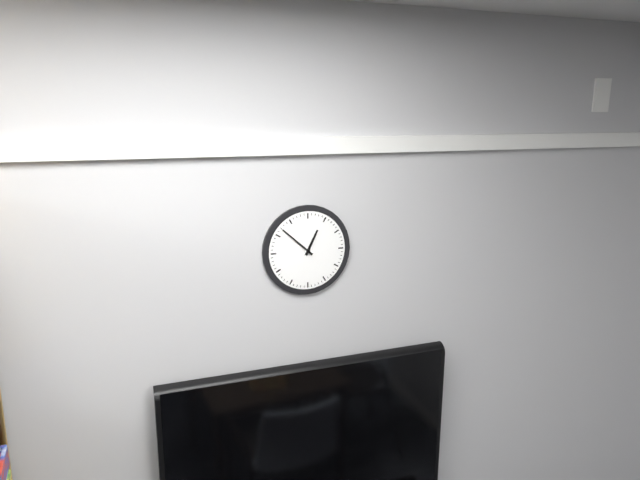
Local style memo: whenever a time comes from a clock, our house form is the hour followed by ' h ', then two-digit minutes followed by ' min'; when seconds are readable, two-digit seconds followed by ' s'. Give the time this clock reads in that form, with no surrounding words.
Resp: 12 h 52 min
